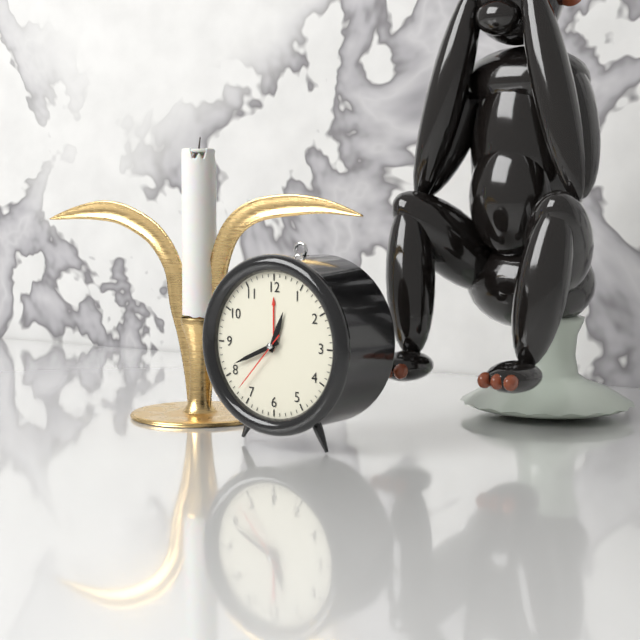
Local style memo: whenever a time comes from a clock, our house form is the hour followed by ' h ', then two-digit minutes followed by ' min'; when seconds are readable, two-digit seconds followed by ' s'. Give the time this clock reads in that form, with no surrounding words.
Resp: 12 h 41 min 37 s
